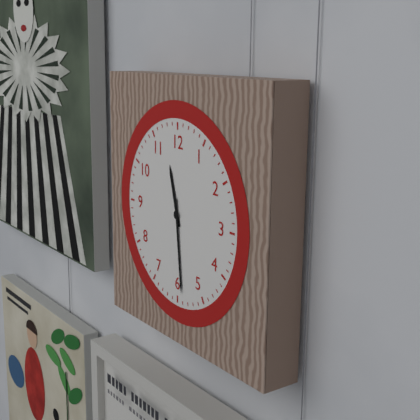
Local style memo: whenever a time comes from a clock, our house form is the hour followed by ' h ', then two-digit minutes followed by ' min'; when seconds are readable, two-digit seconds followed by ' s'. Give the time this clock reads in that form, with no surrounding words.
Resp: 11 h 29 min
